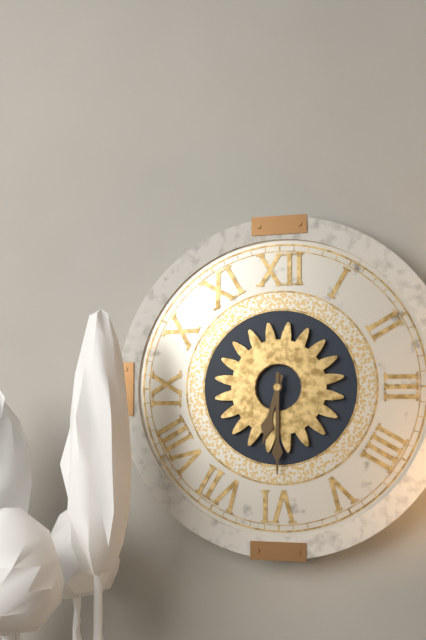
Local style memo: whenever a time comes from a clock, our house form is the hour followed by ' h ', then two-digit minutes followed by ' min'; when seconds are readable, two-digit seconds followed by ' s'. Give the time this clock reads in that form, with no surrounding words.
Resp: 6 h 30 min
